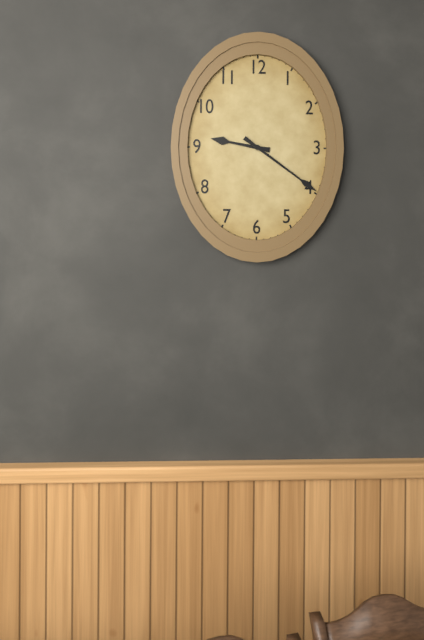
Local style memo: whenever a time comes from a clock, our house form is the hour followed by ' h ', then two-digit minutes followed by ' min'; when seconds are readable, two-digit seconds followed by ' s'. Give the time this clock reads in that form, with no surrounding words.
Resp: 9 h 21 min
